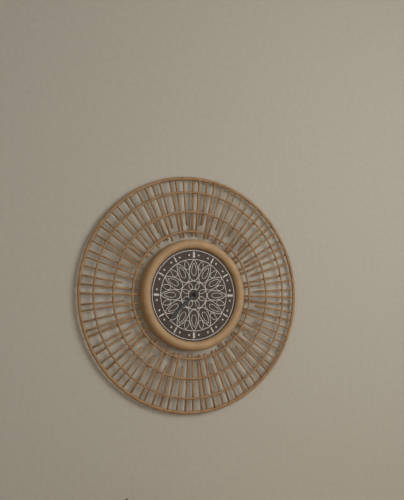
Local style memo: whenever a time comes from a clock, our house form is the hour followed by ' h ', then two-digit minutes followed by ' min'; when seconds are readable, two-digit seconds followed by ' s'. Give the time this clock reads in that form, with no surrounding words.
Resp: 7 h 38 min
